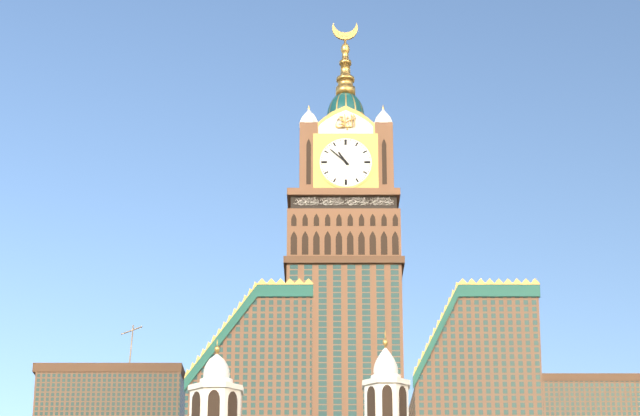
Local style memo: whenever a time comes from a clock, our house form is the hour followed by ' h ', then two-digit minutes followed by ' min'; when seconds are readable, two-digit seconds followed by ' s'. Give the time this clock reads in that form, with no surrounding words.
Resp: 10 h 52 min
